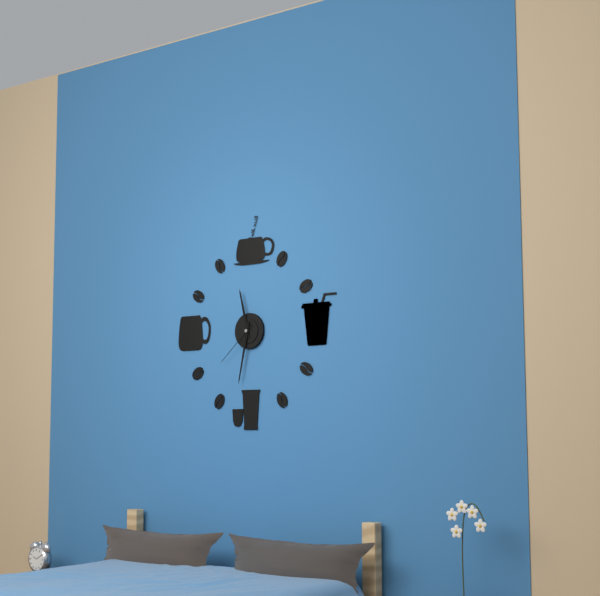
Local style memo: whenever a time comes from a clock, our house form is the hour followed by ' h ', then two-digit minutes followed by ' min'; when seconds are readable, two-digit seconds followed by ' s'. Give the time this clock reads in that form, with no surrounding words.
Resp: 11 h 32 min 38 s
